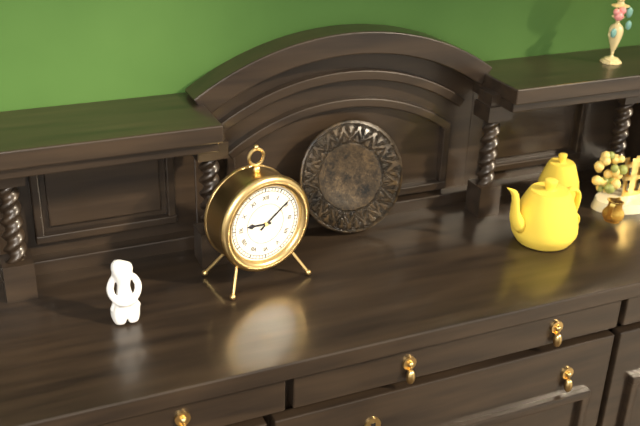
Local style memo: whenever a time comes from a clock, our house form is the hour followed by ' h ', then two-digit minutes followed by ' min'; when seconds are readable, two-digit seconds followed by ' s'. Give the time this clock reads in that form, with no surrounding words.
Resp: 9 h 09 min
